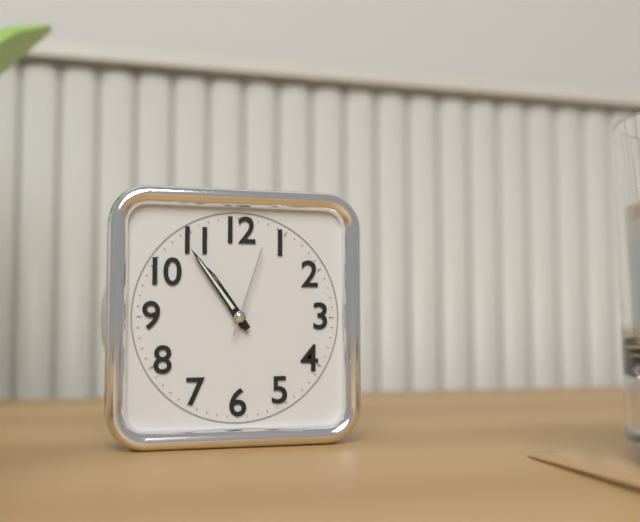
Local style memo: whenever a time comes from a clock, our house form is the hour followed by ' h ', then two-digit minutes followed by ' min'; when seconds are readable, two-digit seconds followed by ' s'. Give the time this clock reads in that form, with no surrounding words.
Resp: 10 h 54 min 03 s
